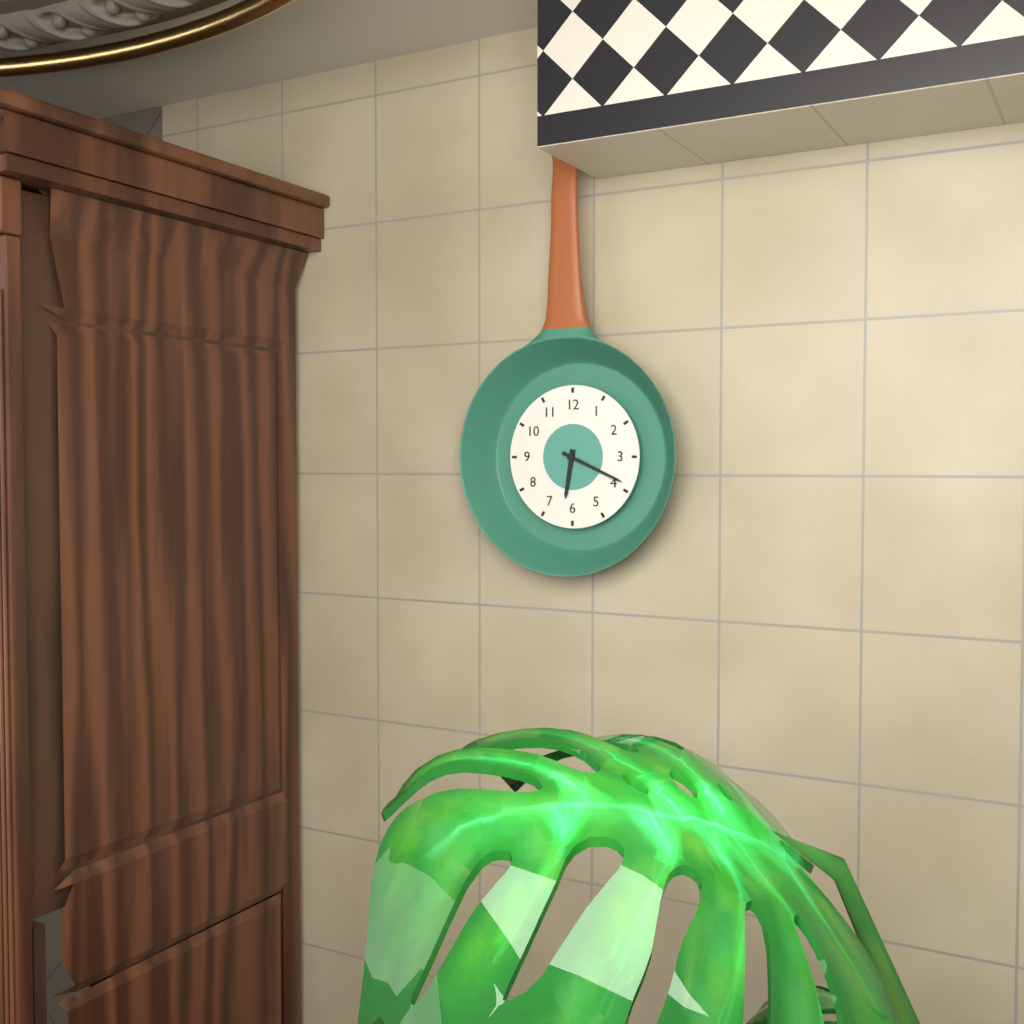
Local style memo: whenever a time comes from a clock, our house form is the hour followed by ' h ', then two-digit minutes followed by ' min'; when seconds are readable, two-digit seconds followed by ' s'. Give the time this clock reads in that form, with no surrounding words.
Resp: 6 h 19 min
